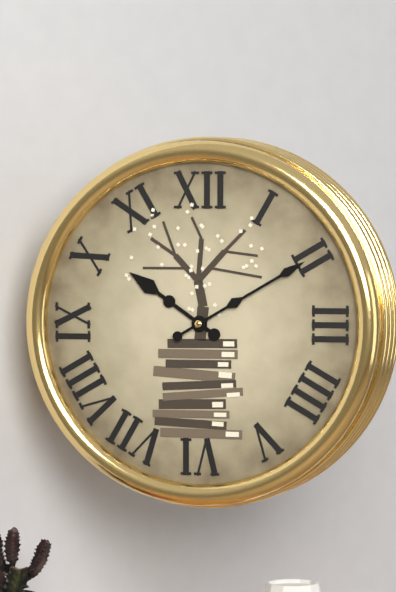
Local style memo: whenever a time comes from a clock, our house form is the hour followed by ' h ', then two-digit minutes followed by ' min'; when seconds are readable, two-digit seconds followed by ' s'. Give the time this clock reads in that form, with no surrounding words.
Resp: 10 h 10 min
